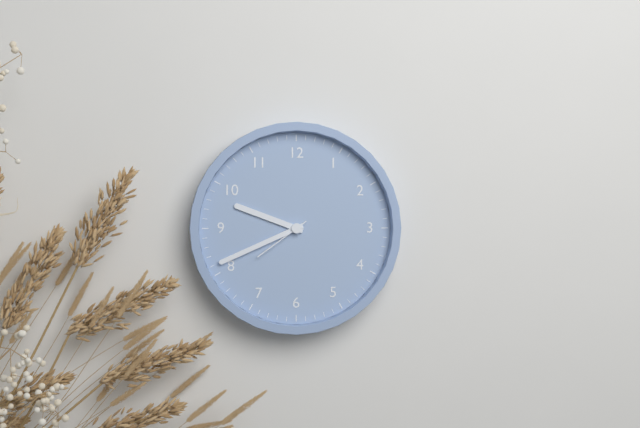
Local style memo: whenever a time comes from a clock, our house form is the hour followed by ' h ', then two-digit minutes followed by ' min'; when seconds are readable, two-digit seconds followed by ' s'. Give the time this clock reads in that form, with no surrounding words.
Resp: 9 h 41 min 39 s
